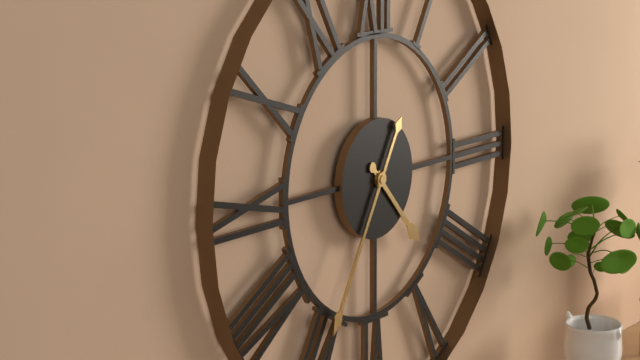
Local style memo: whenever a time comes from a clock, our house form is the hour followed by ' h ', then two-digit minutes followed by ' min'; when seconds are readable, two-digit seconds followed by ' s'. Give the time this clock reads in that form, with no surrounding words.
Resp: 4 h 35 min
